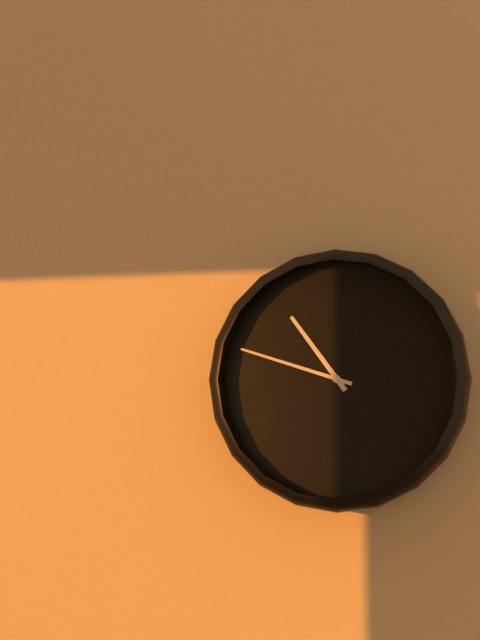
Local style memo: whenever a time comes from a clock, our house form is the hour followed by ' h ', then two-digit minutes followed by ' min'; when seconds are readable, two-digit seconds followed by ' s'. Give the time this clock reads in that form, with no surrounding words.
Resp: 10 h 48 min
